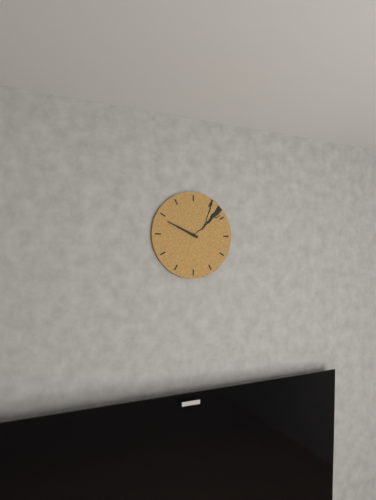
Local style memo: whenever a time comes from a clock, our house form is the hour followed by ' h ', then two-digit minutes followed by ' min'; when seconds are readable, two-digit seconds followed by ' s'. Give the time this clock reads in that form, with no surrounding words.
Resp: 9 h 49 min
